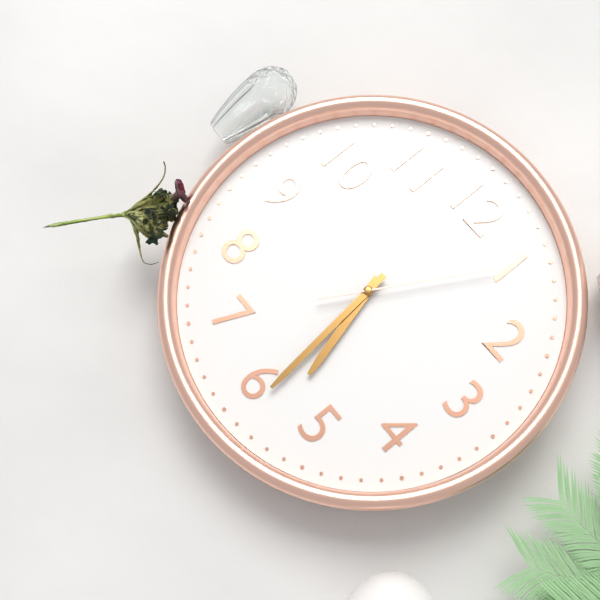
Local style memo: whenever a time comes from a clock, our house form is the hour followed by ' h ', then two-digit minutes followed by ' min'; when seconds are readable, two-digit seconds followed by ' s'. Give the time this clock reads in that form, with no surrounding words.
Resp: 5 h 29 min 05 s
